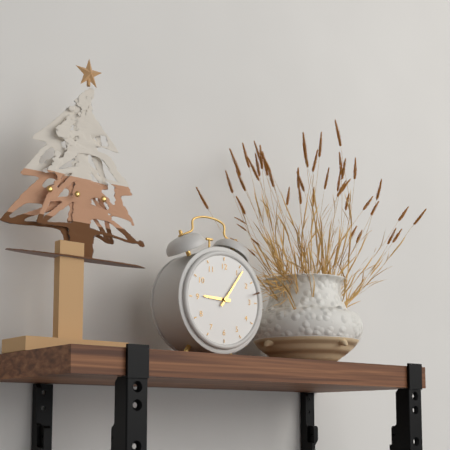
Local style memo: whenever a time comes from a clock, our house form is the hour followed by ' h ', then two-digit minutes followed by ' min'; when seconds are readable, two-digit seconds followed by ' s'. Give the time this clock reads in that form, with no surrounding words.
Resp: 9 h 06 min
